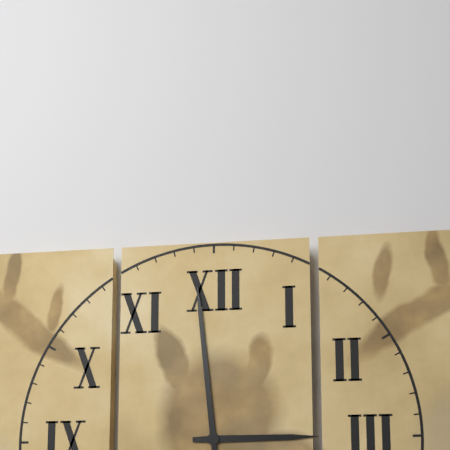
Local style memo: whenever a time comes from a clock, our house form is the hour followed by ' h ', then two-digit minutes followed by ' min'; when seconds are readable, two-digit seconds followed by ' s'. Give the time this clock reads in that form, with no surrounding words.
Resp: 2 h 59 min
